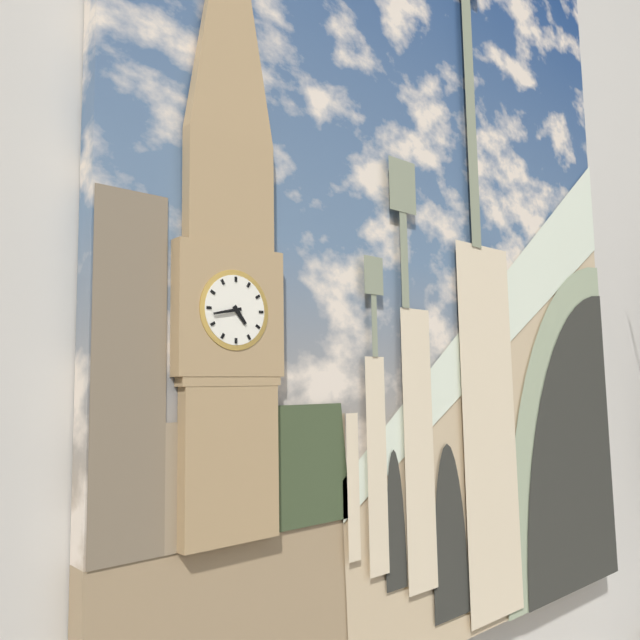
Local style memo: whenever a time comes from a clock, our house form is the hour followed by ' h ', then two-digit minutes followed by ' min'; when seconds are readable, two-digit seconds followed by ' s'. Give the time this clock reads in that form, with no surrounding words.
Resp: 4 h 43 min
